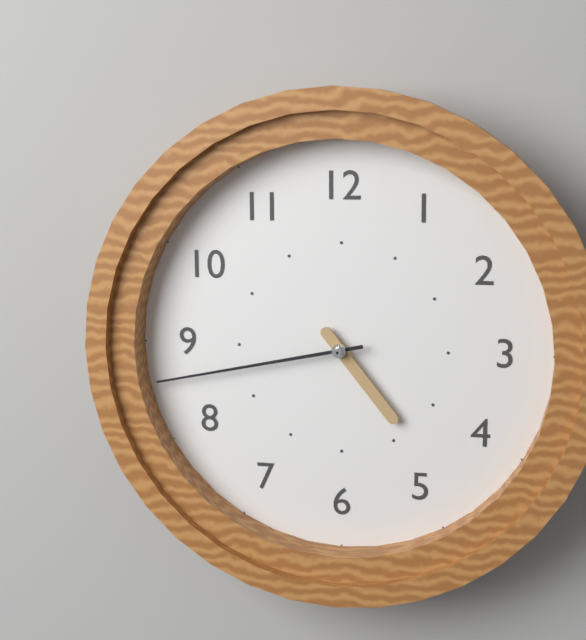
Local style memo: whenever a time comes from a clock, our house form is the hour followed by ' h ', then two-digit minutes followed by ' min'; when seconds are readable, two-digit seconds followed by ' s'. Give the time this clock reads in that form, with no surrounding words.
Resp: 4 h 43 min
